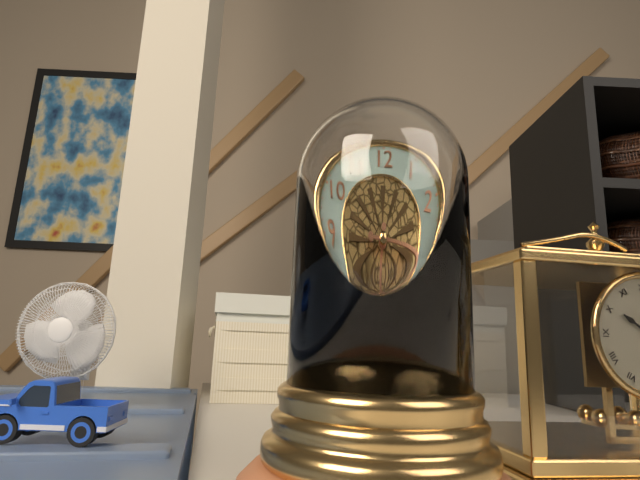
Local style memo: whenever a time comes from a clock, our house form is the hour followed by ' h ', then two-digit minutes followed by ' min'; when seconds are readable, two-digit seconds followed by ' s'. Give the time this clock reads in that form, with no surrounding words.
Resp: 6 h 15 min
